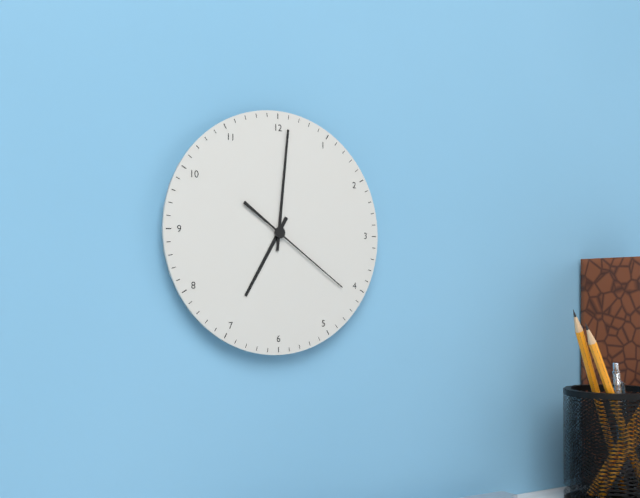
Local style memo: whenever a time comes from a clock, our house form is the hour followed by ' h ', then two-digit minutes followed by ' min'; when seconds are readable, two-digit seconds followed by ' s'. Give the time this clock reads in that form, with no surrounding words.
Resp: 7 h 01 min 21 s
